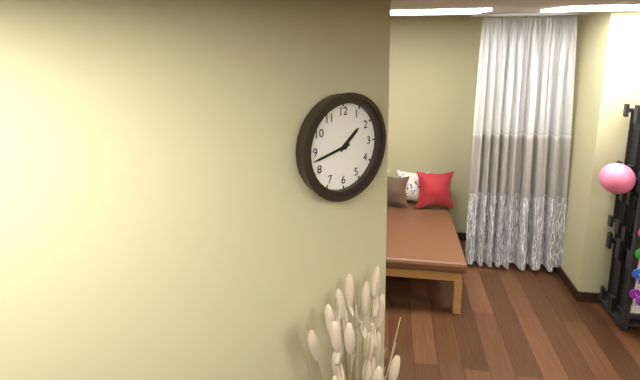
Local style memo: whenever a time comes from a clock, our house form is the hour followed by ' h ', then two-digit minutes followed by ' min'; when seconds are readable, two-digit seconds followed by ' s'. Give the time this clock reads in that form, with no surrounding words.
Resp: 1 h 43 min
